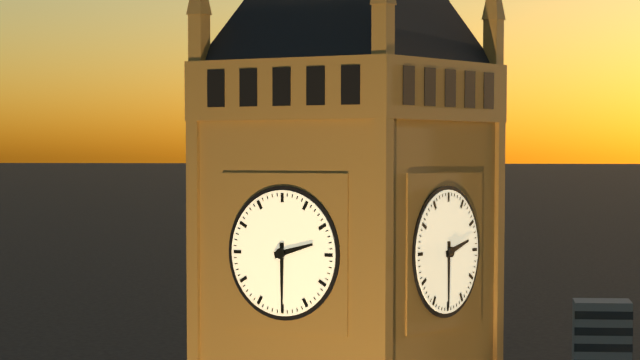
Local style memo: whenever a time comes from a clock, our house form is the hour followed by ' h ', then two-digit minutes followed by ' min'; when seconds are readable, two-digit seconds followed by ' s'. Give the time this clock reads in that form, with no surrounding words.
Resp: 2 h 30 min
